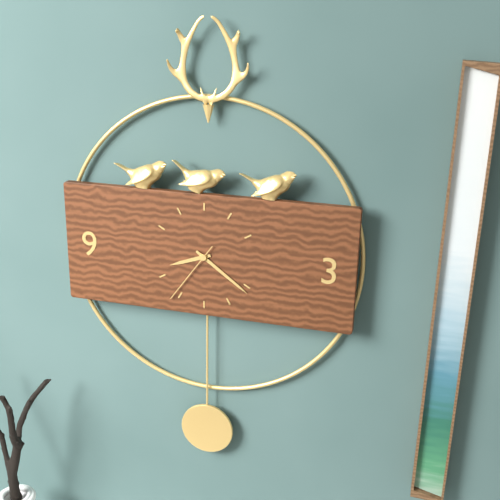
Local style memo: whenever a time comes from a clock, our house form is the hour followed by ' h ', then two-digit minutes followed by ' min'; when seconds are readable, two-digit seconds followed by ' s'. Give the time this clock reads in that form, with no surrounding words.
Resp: 8 h 21 min 36 s
